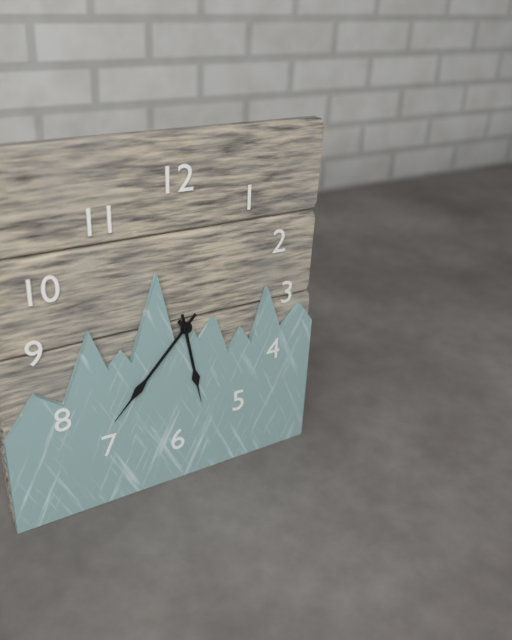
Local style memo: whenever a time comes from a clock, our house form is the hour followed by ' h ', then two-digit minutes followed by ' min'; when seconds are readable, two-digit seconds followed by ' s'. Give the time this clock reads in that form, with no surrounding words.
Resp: 5 h 37 min
